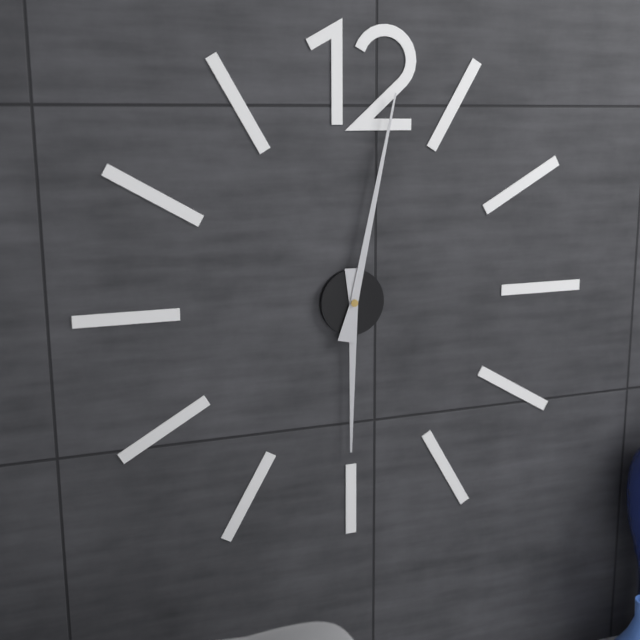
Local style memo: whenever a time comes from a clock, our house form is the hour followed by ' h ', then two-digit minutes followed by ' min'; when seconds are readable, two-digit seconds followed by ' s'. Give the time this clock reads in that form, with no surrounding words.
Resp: 6 h 02 min
